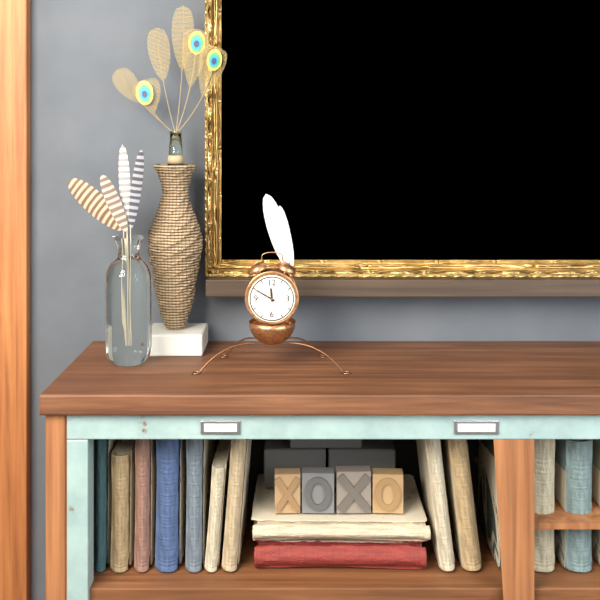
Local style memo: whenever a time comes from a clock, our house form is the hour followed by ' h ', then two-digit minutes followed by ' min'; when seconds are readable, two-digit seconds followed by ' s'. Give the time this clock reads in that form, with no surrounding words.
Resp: 11 h 50 min
